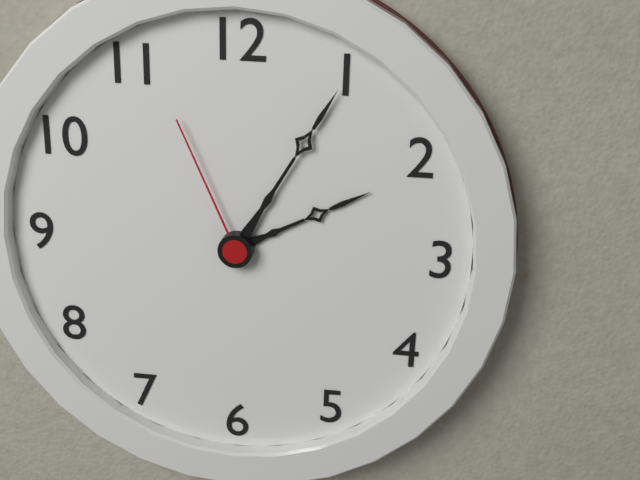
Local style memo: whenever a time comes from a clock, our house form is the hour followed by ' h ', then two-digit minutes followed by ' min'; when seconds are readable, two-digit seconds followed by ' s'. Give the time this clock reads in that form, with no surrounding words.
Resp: 2 h 05 min 56 s
